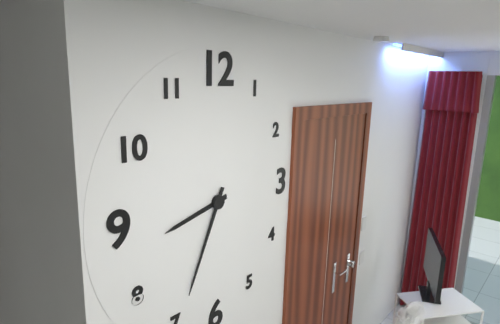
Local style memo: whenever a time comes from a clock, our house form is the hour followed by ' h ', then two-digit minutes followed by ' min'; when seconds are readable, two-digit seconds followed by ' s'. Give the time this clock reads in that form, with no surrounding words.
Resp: 8 h 34 min
